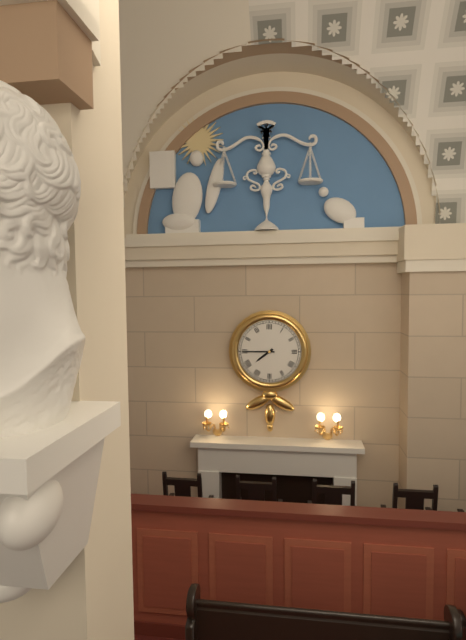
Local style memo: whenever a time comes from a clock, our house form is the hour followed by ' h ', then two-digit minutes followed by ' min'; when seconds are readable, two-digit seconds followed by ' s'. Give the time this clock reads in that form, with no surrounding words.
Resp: 7 h 45 min
